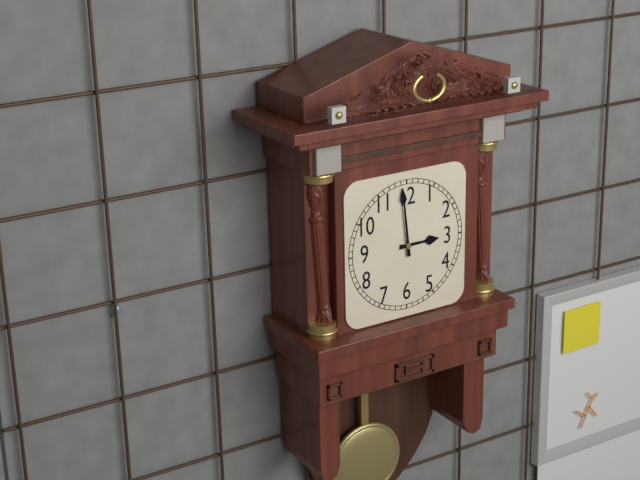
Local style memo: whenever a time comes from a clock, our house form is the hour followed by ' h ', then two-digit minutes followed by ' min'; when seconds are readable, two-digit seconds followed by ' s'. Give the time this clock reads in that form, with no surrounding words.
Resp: 2 h 59 min
